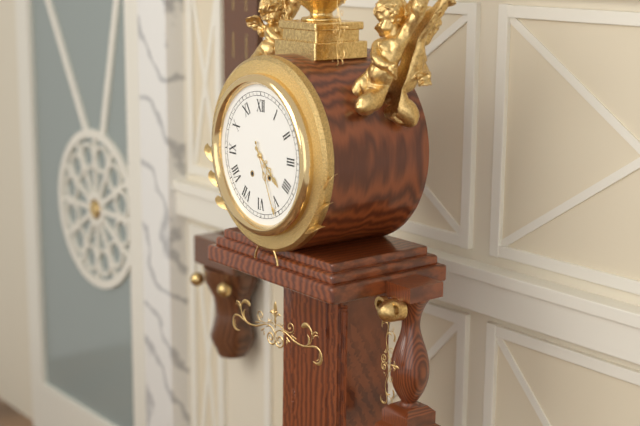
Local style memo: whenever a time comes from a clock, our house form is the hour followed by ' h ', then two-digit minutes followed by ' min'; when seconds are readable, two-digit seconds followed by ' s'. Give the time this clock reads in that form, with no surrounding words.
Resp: 4 h 26 min
